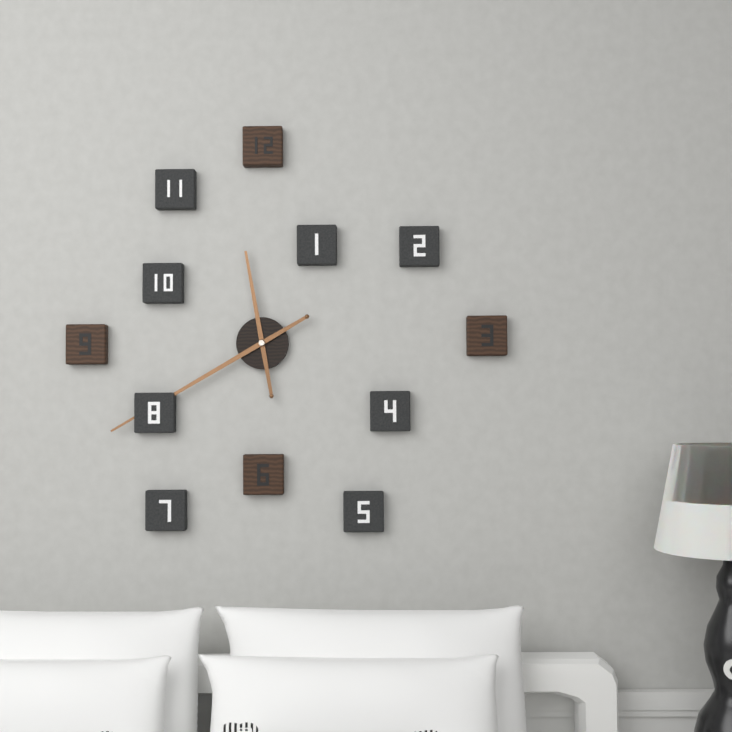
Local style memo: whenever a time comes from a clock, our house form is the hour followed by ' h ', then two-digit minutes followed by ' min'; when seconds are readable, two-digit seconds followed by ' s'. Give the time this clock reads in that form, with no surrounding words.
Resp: 11 h 40 min
